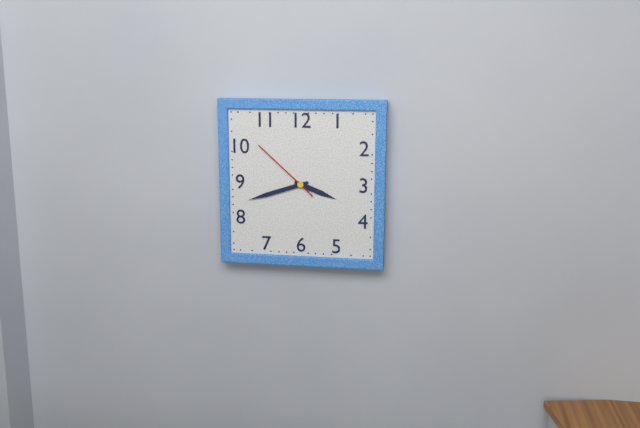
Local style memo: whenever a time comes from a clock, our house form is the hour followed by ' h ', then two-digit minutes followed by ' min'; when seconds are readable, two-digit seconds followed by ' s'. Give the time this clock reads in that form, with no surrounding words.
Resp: 3 h 42 min 52 s
